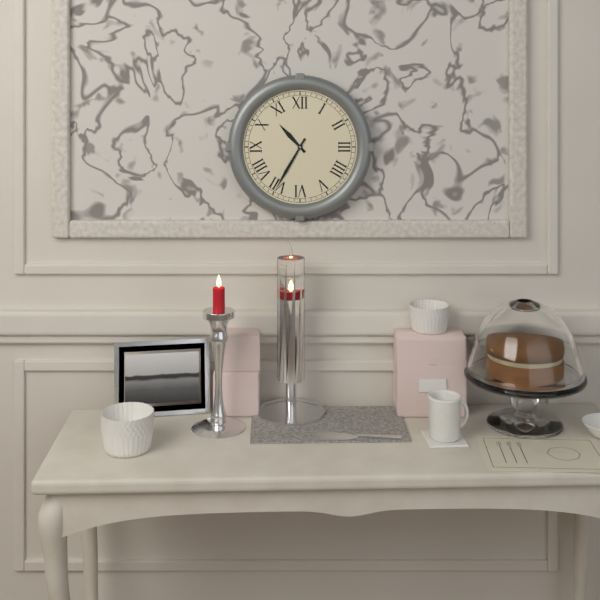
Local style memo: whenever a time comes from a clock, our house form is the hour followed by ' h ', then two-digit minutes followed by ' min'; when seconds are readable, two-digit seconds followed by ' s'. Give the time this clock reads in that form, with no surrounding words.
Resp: 10 h 35 min
